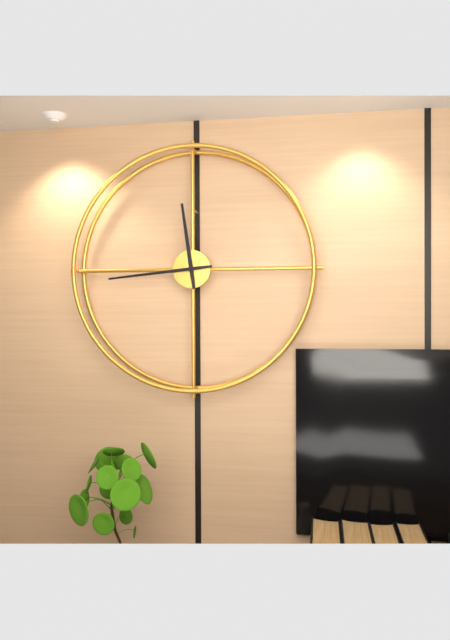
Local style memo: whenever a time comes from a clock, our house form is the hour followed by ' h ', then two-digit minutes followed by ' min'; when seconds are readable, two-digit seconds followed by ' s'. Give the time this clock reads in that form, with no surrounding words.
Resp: 11 h 44 min
